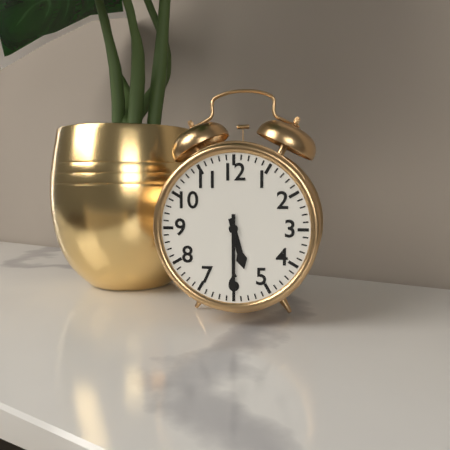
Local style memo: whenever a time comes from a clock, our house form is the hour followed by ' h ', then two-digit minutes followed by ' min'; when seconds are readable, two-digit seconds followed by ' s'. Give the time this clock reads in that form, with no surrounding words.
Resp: 5 h 30 min
